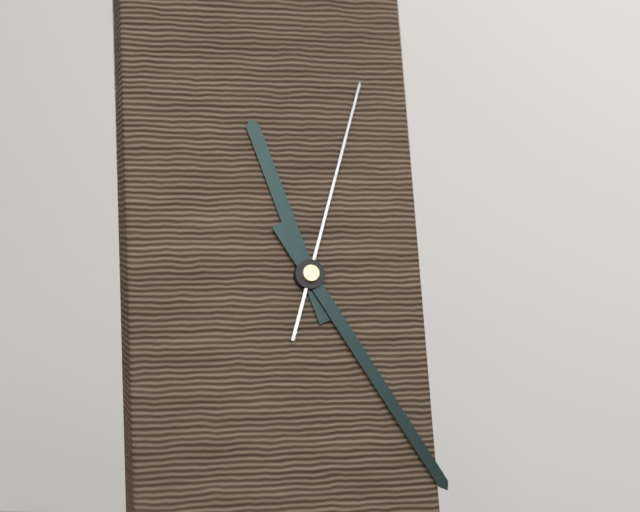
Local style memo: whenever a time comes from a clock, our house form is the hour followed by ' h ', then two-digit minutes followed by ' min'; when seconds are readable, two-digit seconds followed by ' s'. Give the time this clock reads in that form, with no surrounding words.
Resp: 11 h 25 min 03 s
